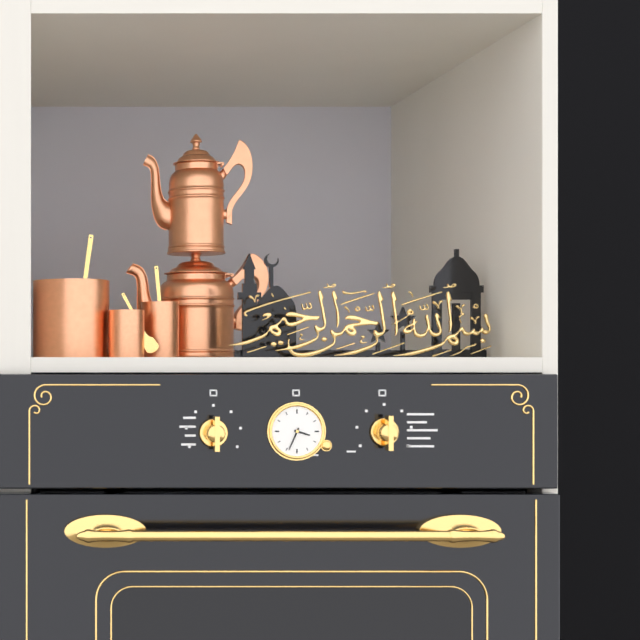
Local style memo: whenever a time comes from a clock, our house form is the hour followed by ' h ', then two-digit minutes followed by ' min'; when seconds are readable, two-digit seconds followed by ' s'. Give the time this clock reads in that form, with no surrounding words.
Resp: 3 h 34 min
